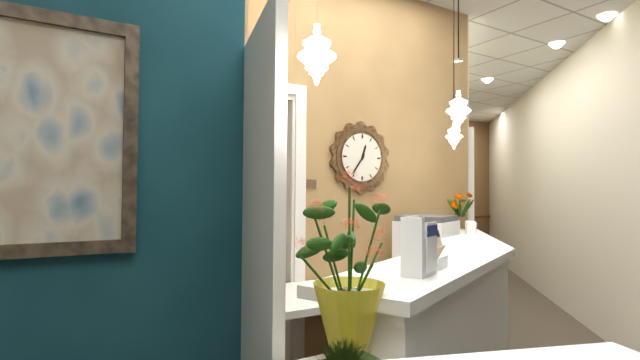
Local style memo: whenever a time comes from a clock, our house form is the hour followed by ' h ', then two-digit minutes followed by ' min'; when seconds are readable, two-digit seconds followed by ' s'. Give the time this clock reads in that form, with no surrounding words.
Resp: 12 h 36 min
